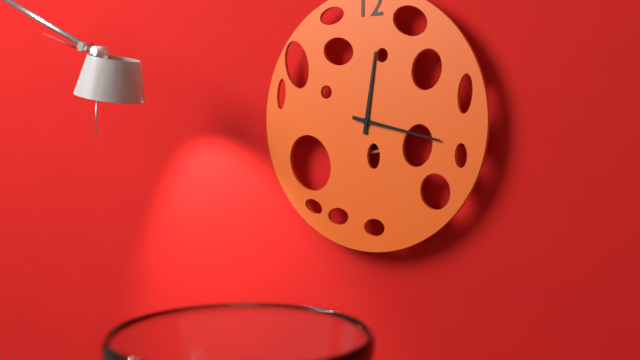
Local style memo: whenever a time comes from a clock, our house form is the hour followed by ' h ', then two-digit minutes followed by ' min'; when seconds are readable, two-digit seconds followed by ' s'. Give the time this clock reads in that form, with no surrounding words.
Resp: 12 h 17 min
